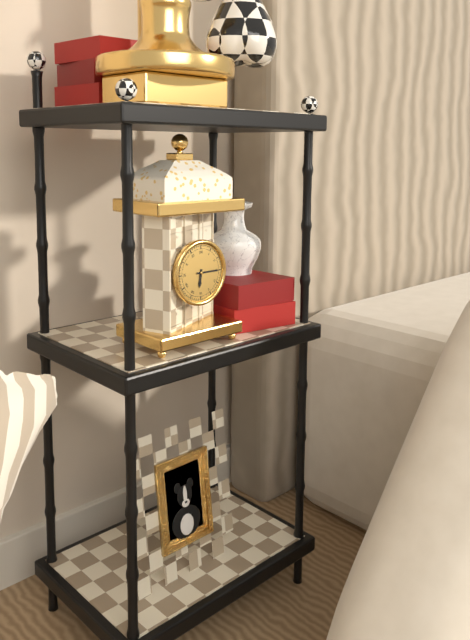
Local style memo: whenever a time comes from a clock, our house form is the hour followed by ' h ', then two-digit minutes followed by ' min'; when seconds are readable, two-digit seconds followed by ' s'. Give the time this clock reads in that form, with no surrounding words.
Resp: 6 h 15 min
